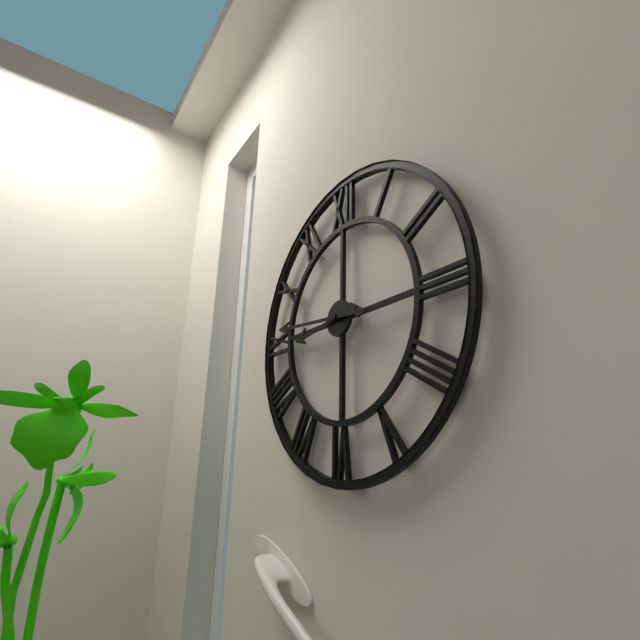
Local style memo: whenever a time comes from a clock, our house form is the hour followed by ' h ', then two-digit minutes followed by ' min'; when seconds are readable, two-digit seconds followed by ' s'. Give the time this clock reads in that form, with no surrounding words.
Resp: 8 h 46 min
